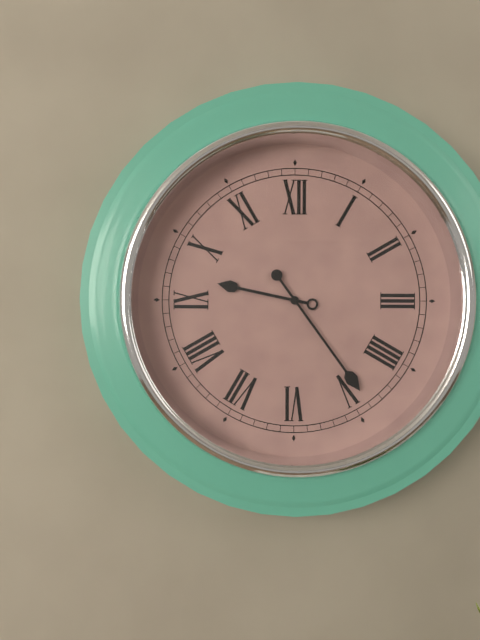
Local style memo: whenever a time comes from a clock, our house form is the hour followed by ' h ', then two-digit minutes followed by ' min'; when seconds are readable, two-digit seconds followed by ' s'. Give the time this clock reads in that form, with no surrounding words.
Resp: 9 h 24 min
